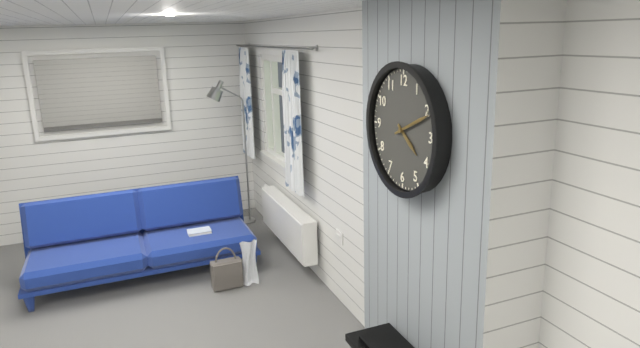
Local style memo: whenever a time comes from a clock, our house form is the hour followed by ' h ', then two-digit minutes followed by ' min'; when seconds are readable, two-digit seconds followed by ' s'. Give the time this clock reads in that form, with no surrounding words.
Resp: 4 h 11 min
